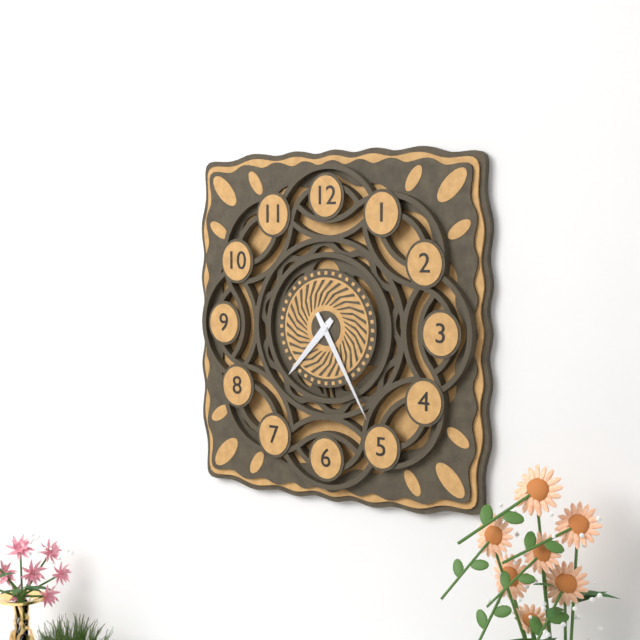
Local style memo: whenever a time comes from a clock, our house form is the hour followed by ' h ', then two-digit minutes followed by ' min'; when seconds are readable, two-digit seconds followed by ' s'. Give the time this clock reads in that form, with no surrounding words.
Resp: 7 h 25 min
